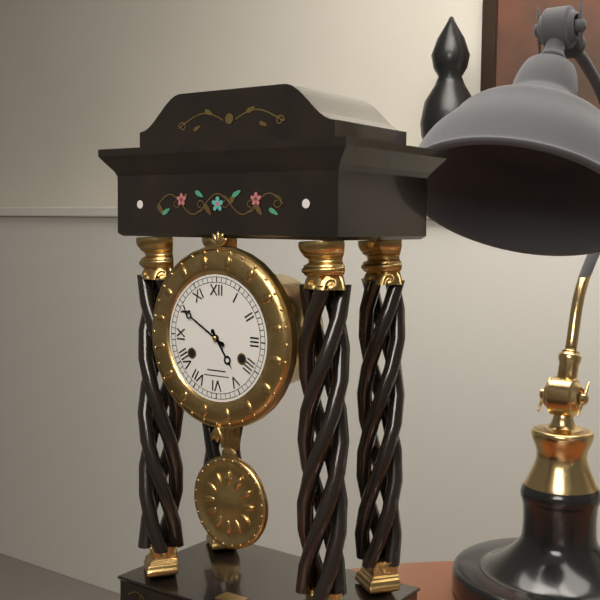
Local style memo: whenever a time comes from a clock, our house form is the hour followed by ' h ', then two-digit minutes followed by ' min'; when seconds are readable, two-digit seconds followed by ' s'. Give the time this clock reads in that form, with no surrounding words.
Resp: 4 h 50 min
